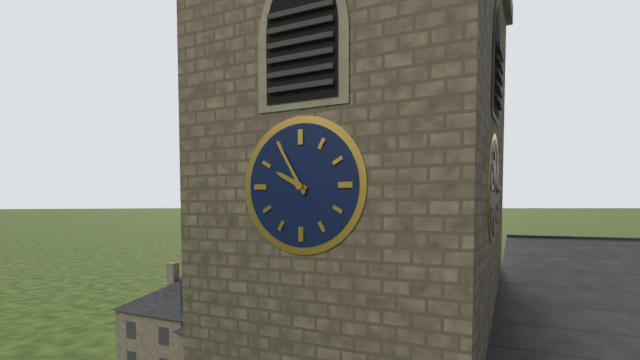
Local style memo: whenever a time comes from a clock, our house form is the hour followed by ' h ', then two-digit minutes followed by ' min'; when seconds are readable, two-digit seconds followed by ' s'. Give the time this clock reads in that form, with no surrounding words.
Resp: 9 h 55 min
